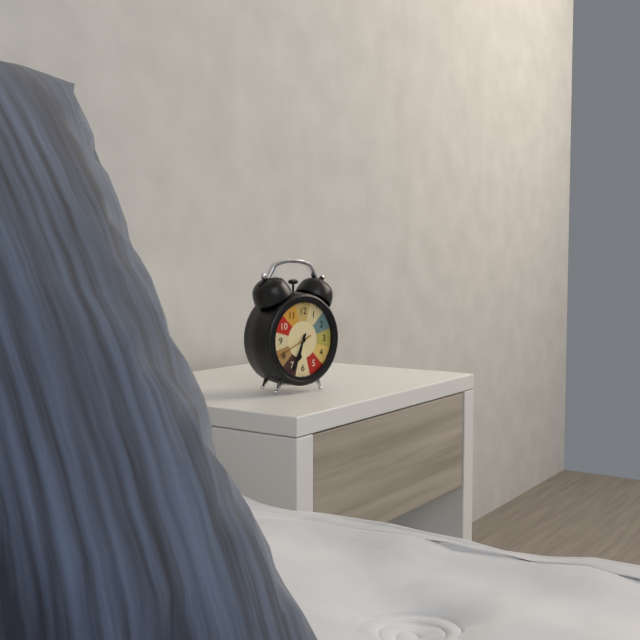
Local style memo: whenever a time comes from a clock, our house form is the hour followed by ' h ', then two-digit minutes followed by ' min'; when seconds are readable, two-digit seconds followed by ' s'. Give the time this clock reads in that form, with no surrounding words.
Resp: 6 h 34 min
